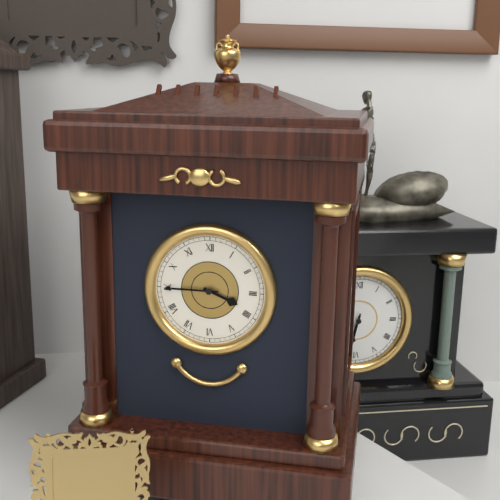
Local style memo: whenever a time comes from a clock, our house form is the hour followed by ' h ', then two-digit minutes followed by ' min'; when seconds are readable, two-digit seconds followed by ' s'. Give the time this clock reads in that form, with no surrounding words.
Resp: 3 h 45 min
